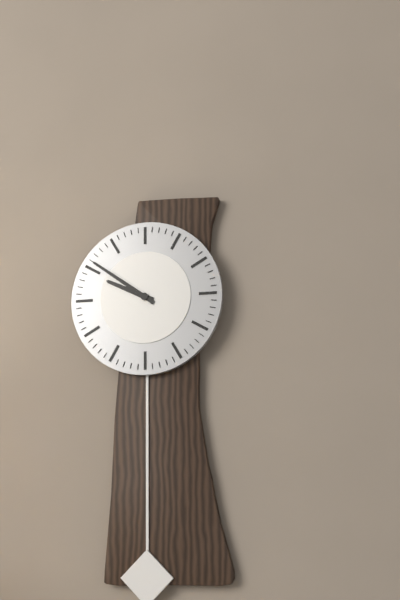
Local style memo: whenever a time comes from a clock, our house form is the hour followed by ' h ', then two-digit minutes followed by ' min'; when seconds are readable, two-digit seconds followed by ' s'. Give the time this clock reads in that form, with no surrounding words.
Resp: 9 h 51 min
